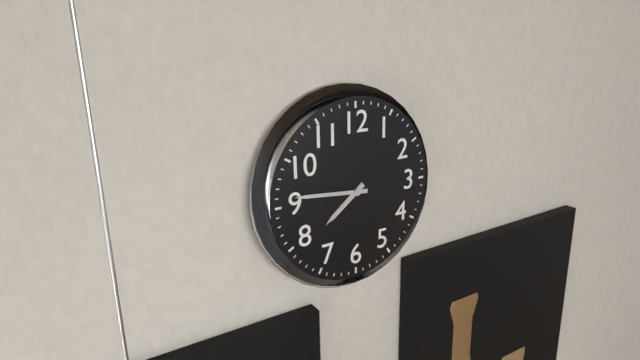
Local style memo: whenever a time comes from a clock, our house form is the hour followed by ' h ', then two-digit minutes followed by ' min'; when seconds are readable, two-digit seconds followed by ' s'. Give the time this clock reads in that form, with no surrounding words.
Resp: 7 h 46 min
